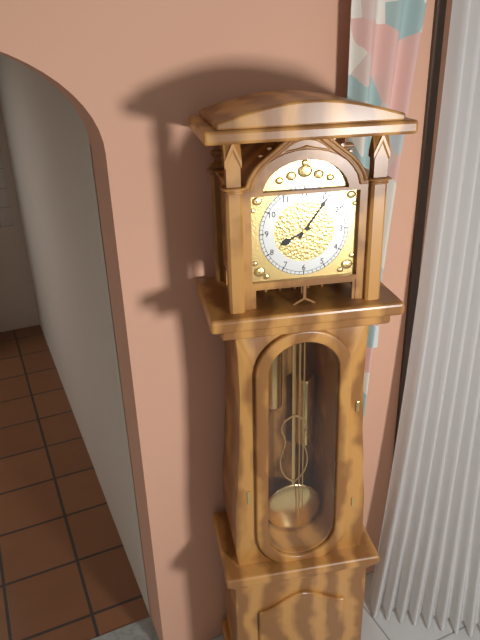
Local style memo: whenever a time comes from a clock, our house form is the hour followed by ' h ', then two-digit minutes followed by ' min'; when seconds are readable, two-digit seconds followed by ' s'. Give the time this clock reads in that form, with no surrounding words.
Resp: 8 h 06 min
